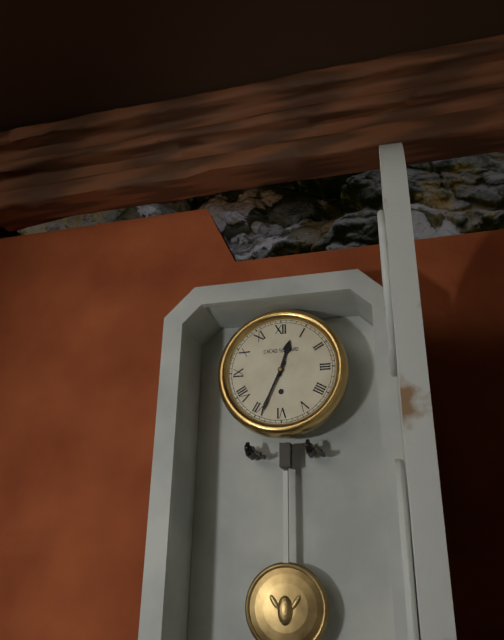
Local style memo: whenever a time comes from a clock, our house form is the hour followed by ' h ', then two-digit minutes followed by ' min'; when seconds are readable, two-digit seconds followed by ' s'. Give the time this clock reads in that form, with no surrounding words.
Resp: 12 h 34 min
